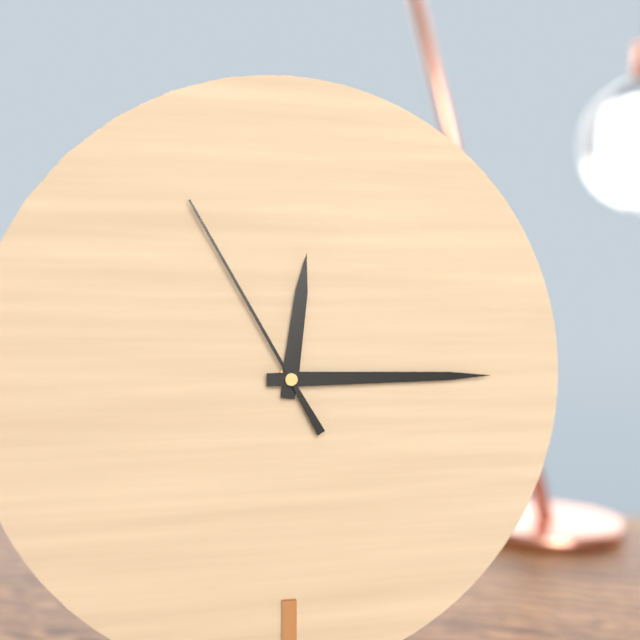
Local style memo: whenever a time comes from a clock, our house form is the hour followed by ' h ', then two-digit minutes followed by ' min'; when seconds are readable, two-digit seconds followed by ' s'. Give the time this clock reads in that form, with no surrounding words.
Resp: 12 h 15 min 55 s
